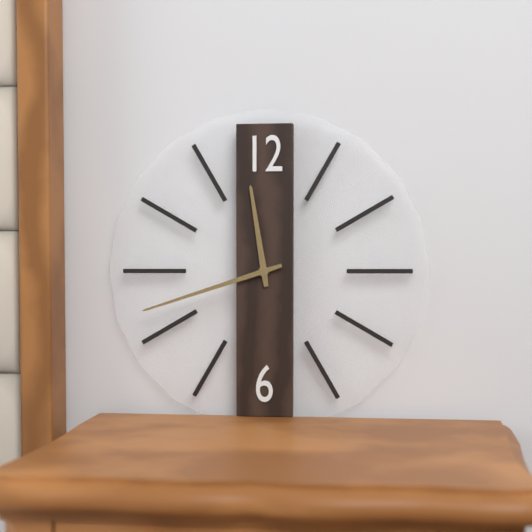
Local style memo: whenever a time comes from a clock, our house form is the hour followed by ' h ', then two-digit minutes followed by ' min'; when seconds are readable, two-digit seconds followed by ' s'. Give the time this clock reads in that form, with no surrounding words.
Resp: 11 h 42 min
